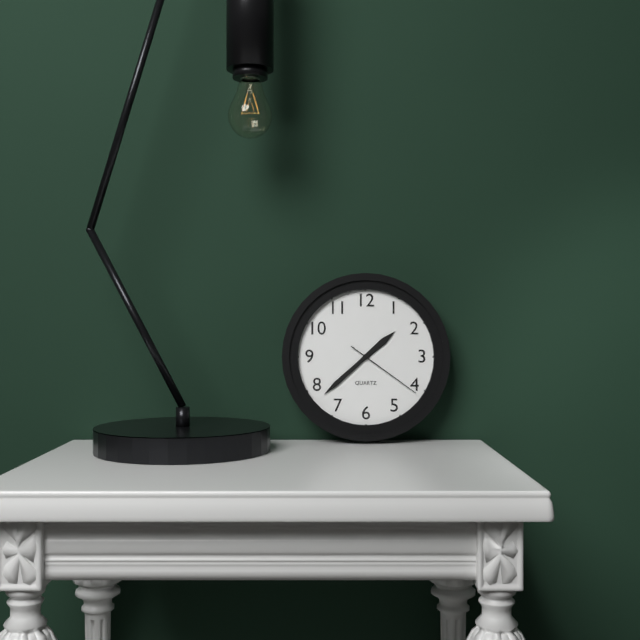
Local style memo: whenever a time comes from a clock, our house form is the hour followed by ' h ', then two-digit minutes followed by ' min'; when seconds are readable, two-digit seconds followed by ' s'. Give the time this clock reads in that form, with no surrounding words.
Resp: 1 h 38 min 21 s
